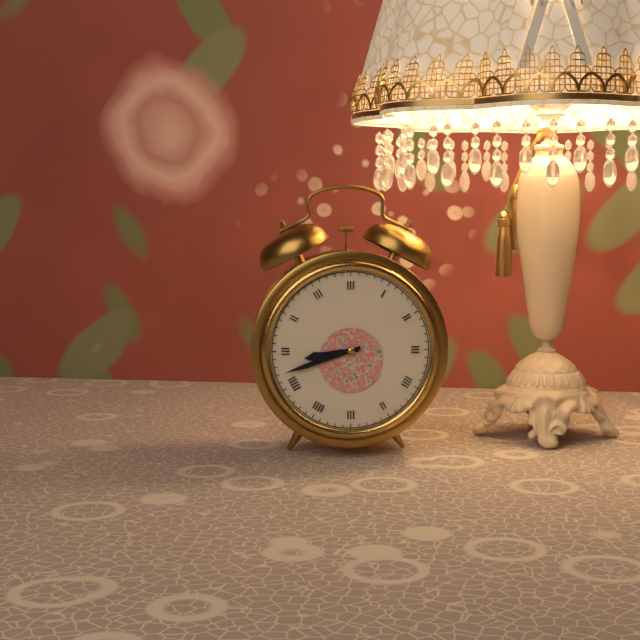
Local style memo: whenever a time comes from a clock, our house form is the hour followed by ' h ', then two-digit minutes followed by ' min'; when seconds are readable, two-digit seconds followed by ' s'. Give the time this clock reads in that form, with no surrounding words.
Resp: 8 h 42 min
